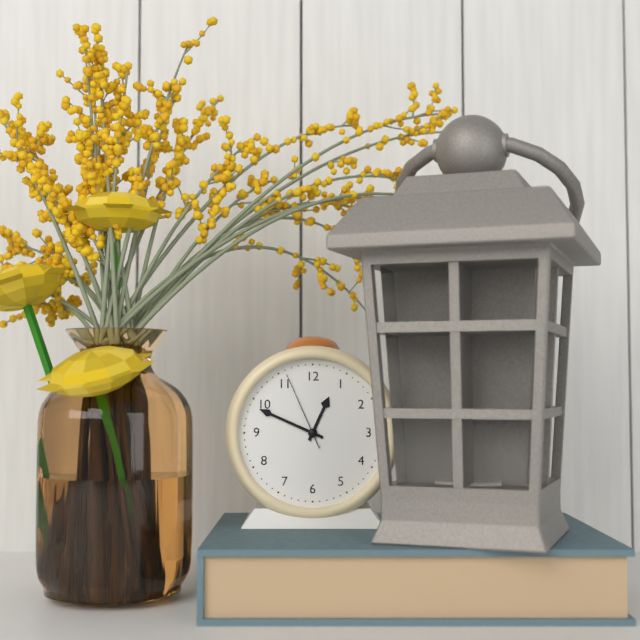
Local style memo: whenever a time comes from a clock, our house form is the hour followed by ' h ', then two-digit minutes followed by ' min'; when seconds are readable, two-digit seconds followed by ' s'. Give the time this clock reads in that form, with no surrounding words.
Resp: 12 h 49 min 56 s
